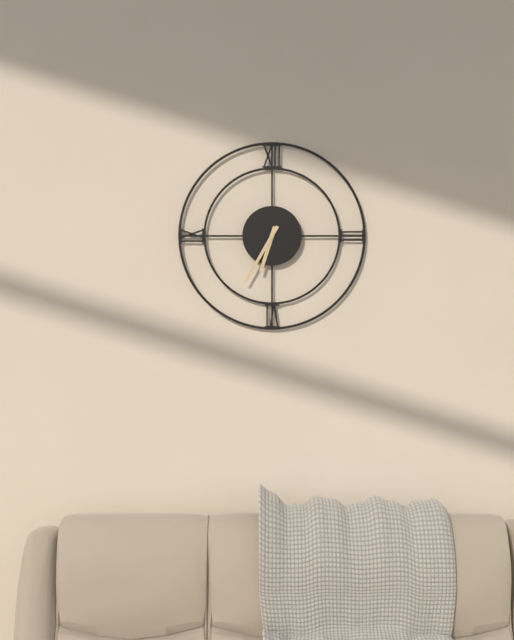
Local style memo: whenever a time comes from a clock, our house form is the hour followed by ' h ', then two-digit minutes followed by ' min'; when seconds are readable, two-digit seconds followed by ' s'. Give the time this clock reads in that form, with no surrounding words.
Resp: 6 h 35 min
